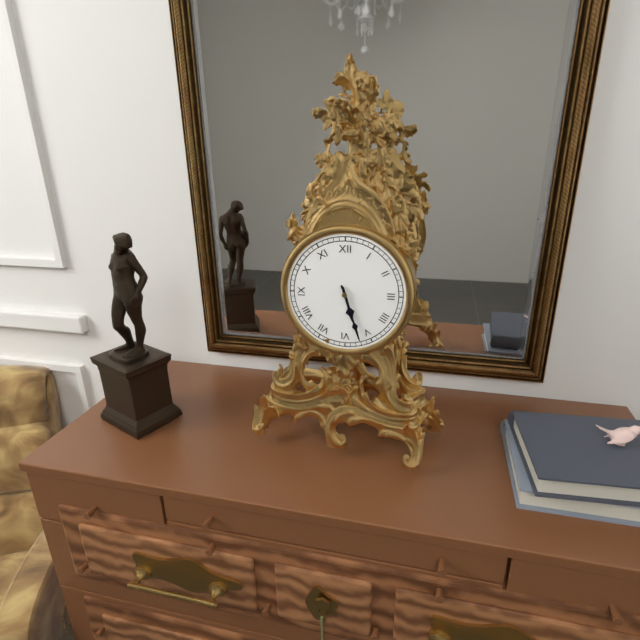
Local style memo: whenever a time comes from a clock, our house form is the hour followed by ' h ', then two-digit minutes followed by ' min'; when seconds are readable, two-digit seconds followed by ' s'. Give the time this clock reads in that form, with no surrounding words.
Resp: 5 h 27 min
